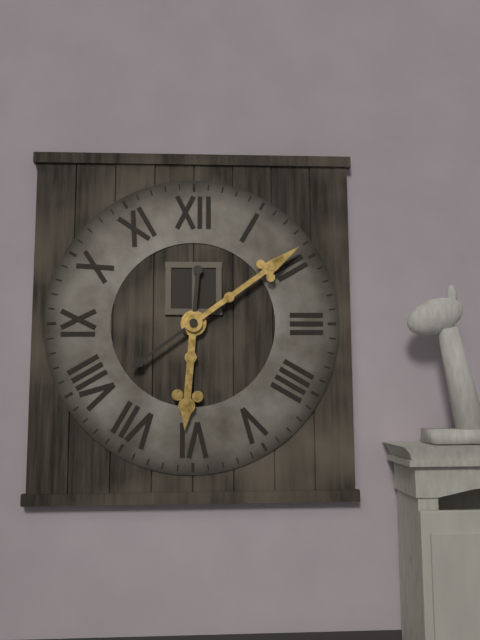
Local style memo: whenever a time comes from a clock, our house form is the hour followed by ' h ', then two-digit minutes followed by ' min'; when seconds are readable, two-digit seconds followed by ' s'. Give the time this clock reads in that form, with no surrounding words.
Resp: 6 h 09 min
